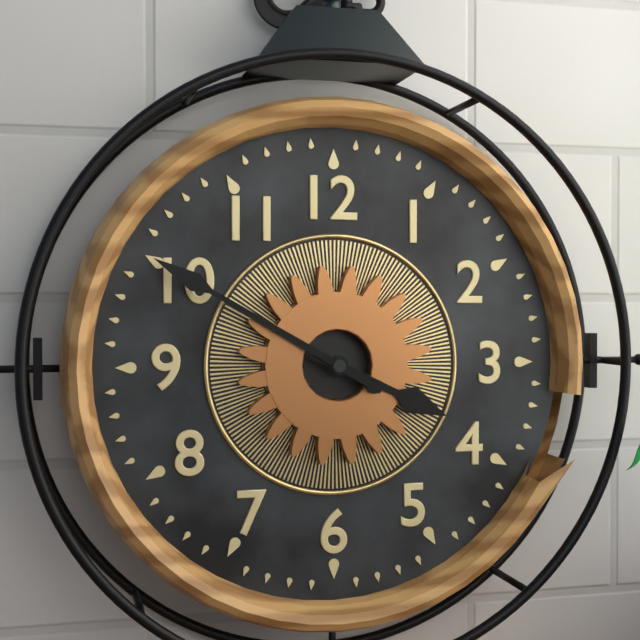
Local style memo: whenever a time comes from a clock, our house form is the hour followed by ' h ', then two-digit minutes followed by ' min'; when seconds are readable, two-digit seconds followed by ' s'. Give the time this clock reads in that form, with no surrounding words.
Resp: 3 h 50 min
